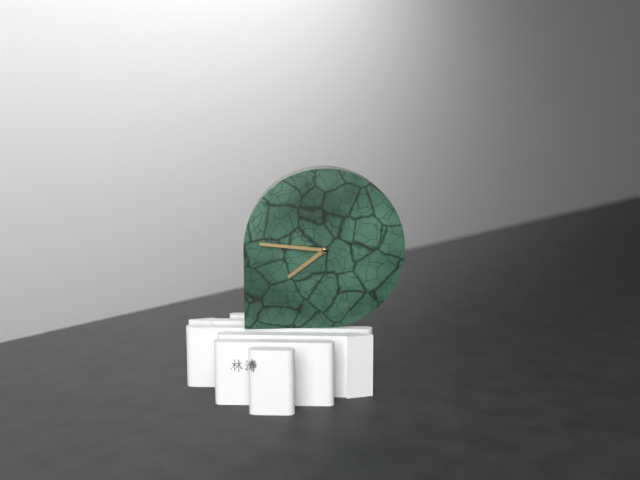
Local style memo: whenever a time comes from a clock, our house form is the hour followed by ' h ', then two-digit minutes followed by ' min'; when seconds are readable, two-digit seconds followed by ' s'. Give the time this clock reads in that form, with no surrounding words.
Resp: 7 h 46 min
